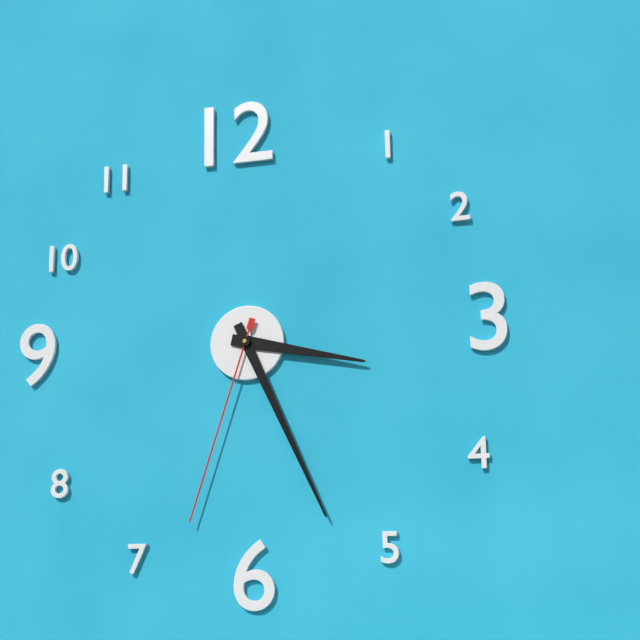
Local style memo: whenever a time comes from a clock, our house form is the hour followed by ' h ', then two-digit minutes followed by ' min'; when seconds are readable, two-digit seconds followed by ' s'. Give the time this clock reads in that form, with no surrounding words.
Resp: 3 h 26 min 33 s
